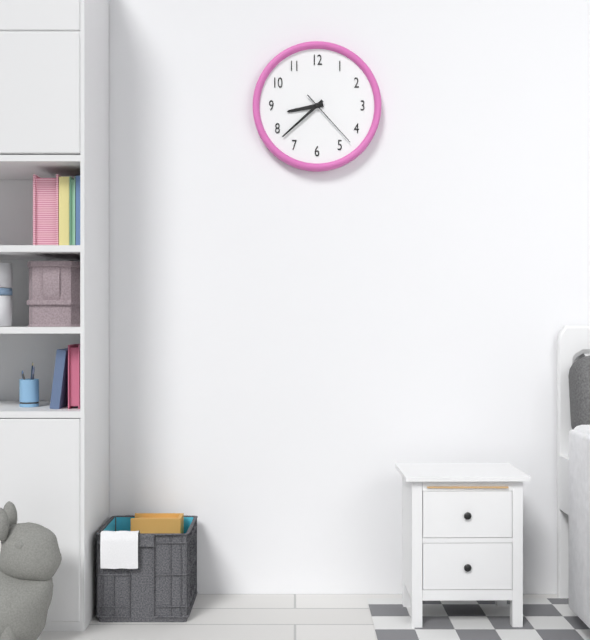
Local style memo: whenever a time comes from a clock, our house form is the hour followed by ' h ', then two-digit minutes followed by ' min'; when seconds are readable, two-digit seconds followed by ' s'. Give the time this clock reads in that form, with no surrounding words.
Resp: 8 h 38 min 23 s
